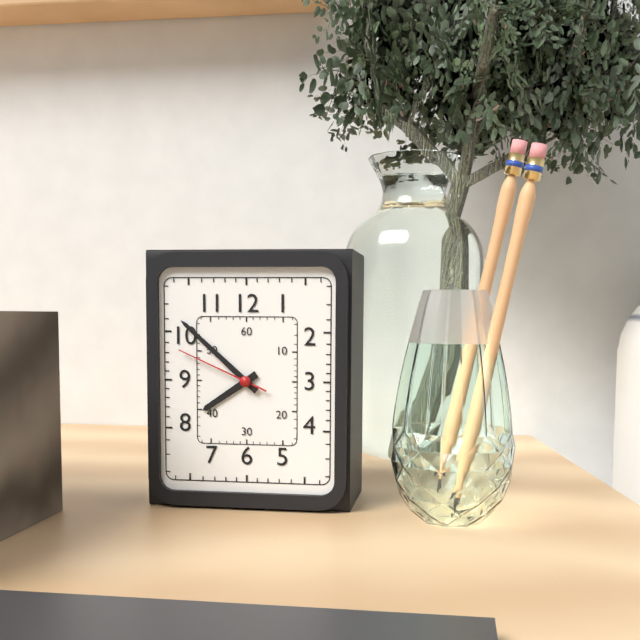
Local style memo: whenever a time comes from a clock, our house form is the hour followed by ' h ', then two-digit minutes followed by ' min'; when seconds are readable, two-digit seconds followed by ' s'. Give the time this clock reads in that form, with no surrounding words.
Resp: 7 h 52 min 49 s
